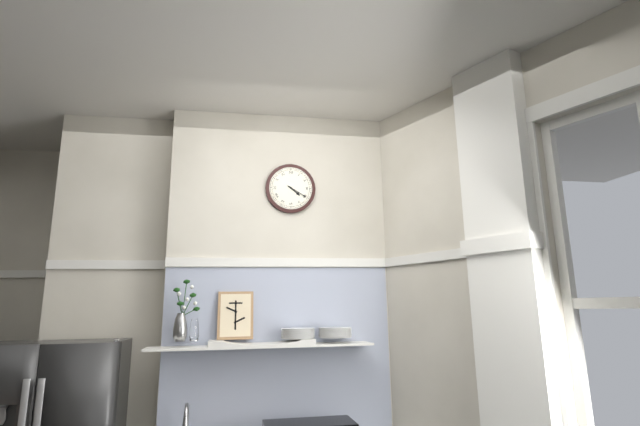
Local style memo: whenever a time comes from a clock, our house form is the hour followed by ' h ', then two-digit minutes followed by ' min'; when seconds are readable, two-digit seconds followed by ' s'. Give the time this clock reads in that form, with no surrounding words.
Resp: 4 h 20 min
